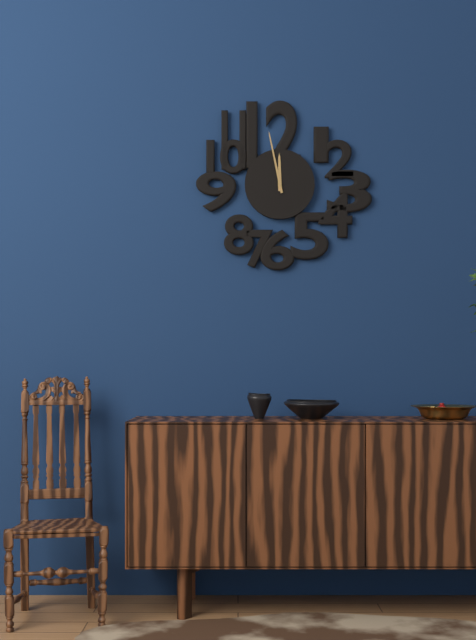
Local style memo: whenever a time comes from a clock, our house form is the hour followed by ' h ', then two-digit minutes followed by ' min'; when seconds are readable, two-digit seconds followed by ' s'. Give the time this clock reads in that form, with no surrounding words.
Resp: 11 h 58 min
